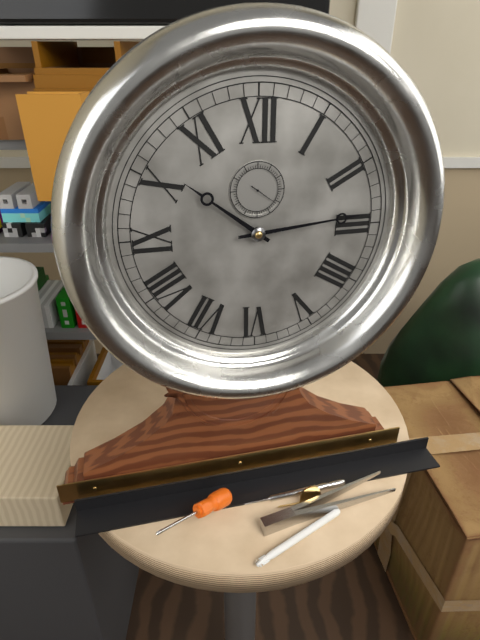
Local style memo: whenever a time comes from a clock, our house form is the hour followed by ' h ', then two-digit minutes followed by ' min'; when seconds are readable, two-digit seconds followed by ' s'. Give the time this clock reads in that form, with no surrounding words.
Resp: 10 h 14 min
